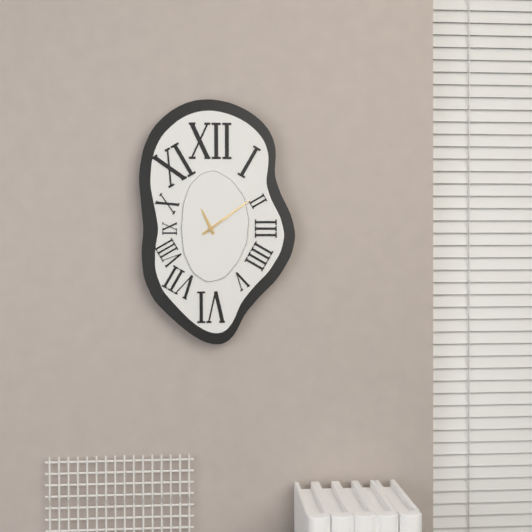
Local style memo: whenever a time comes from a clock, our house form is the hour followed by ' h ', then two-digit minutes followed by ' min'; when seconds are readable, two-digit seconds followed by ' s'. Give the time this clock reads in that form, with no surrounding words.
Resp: 11 h 09 min
